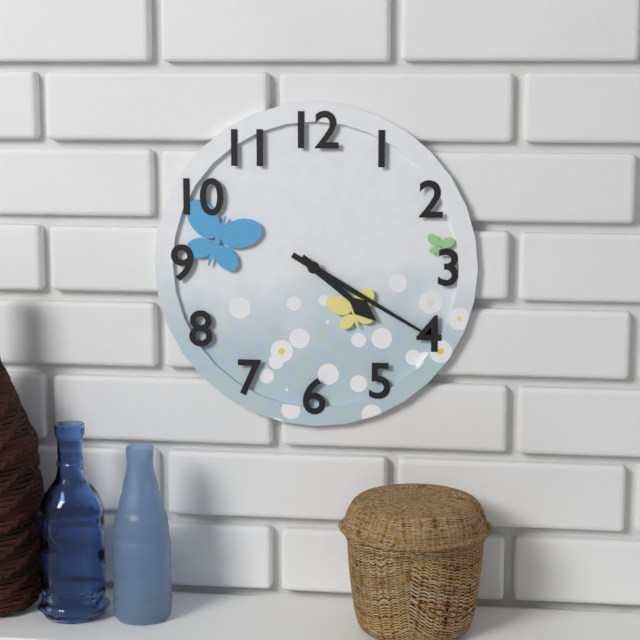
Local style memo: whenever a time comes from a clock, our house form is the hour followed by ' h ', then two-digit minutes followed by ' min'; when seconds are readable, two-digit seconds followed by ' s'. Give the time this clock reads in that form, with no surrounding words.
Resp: 4 h 20 min
